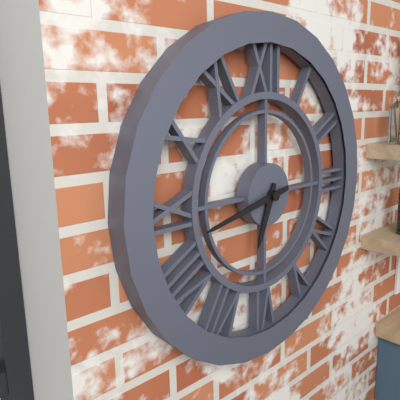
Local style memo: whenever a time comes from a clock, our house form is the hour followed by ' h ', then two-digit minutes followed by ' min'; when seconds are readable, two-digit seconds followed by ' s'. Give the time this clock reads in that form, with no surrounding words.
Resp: 6 h 43 min
